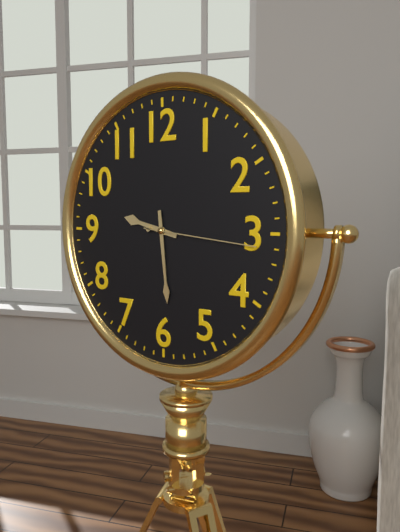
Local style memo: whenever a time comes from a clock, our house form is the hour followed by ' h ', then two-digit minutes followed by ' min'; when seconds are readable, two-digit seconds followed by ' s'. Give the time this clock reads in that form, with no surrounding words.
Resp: 9 h 29 min 16 s
